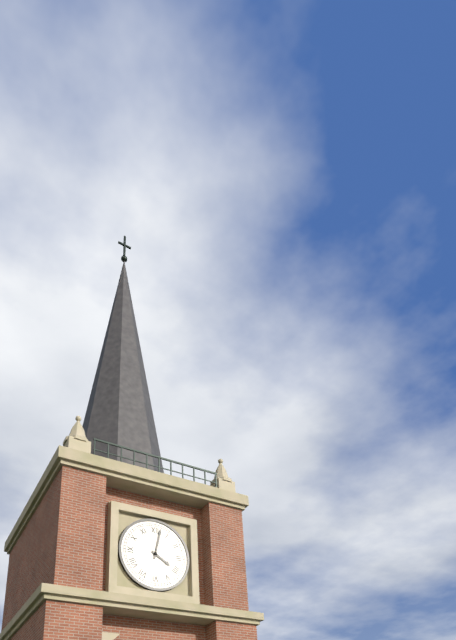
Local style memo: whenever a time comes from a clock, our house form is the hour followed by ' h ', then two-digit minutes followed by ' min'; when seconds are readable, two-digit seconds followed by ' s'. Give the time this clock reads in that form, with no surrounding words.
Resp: 4 h 02 min
